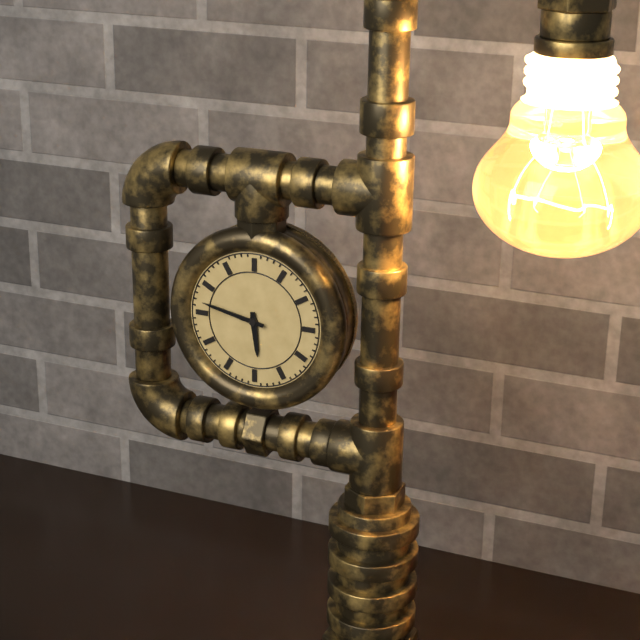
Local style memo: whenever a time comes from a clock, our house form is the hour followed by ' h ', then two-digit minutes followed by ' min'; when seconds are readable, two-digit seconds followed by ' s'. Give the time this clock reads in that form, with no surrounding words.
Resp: 5 h 47 min
